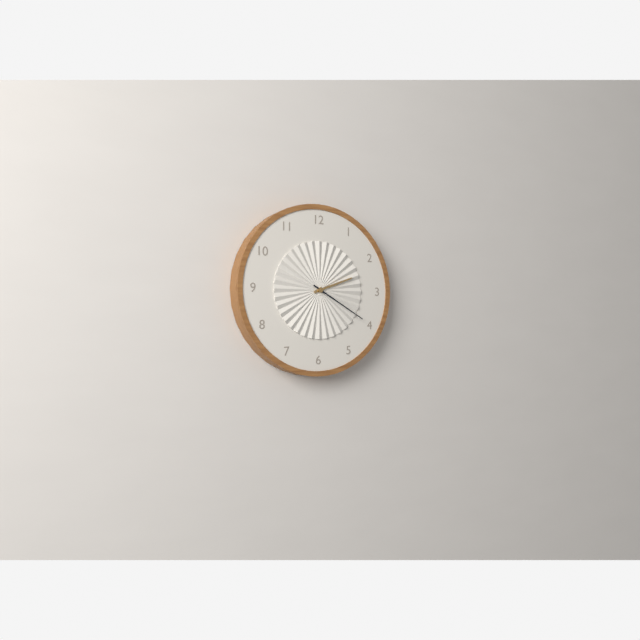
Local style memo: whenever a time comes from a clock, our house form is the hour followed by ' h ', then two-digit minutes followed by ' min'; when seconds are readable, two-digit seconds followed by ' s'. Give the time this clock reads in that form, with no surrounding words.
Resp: 2 h 20 min
